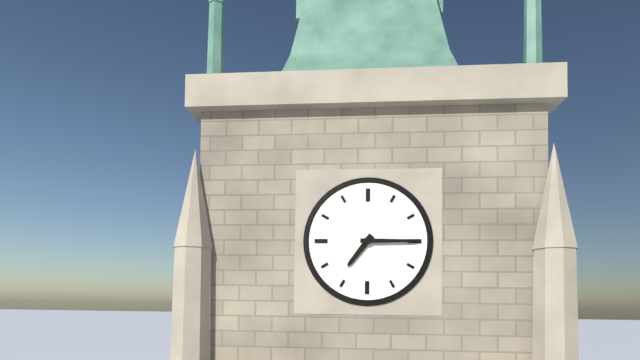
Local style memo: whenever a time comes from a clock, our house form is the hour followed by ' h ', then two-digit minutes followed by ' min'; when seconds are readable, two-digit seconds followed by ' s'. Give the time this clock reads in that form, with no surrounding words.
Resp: 7 h 15 min
